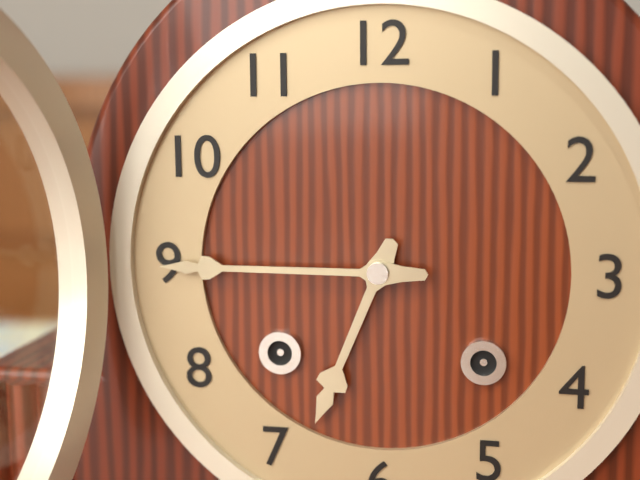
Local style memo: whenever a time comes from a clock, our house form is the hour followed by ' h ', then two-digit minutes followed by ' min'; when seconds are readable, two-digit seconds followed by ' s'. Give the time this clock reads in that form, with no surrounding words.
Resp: 6 h 45 min
